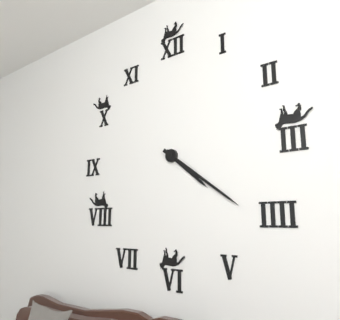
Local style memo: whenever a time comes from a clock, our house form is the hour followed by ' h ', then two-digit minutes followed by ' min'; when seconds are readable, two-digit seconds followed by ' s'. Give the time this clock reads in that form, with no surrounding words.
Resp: 4 h 21 min
